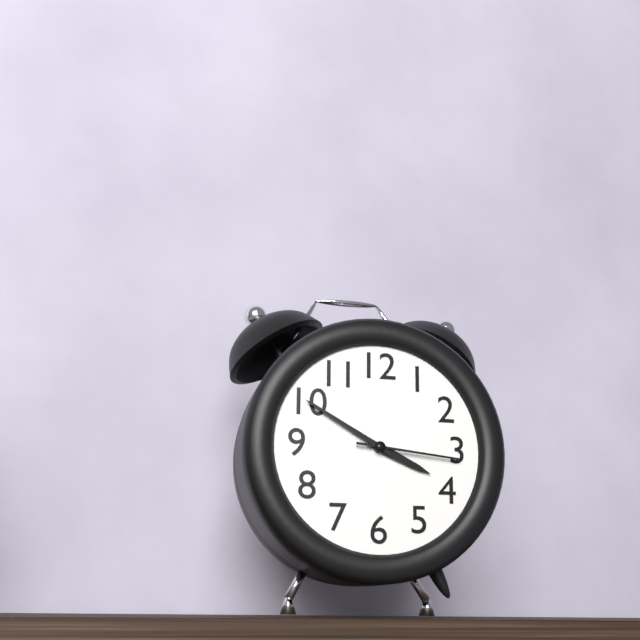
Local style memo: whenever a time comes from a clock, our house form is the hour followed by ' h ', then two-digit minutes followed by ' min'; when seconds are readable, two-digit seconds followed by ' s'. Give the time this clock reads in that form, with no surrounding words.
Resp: 3 h 50 min 16 s
